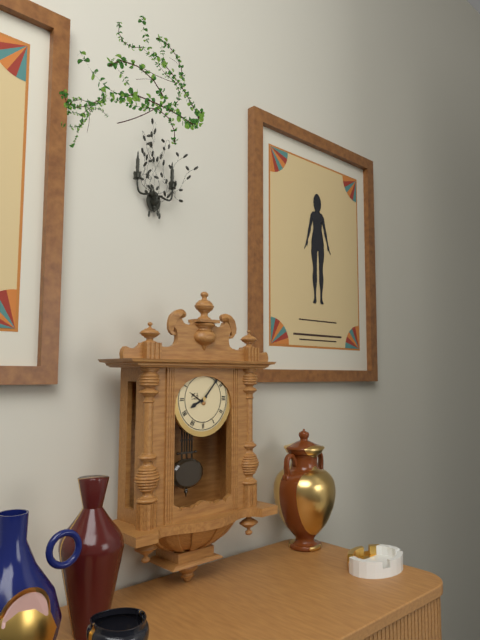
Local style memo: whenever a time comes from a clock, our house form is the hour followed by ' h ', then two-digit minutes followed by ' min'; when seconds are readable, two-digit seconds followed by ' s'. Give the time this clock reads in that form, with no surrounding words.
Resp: 8 h 07 min
